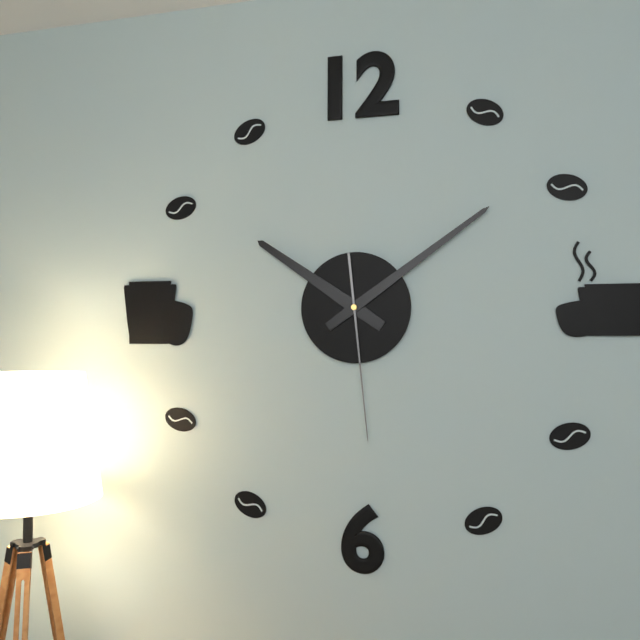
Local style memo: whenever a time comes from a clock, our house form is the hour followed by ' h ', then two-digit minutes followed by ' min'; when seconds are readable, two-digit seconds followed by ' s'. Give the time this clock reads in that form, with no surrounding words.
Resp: 10 h 09 min 29 s
